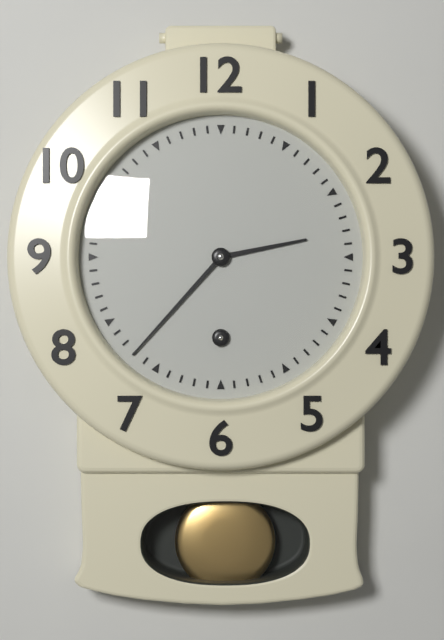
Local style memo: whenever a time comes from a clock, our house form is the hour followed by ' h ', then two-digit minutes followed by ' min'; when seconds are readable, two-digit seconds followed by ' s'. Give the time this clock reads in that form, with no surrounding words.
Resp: 2 h 37 min
